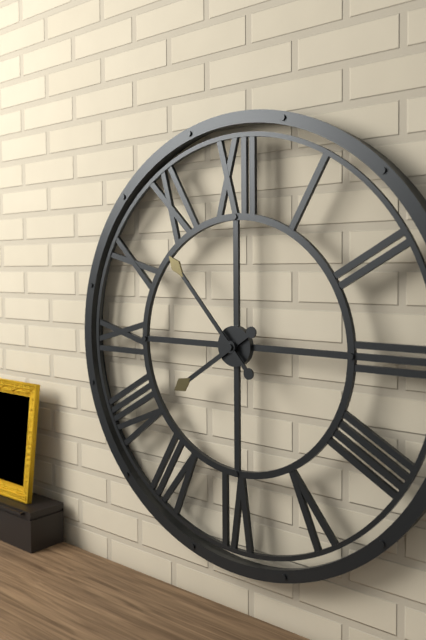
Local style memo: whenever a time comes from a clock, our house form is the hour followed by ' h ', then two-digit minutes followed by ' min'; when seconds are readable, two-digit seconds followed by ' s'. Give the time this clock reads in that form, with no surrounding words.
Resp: 7 h 53 min
